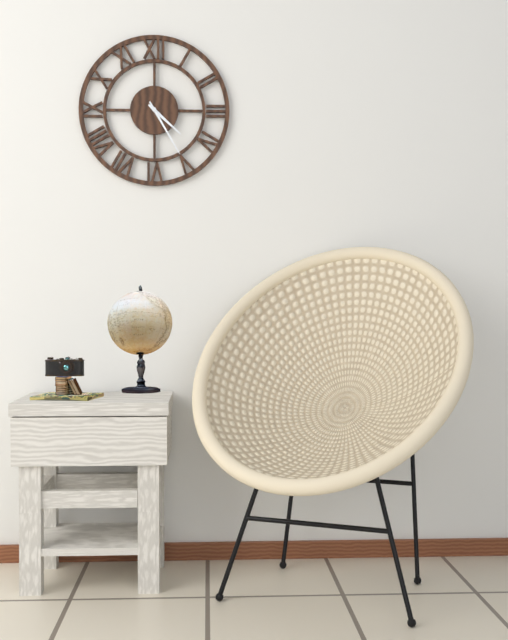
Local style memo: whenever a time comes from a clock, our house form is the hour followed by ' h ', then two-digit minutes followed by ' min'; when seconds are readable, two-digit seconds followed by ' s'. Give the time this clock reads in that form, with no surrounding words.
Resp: 4 h 25 min
